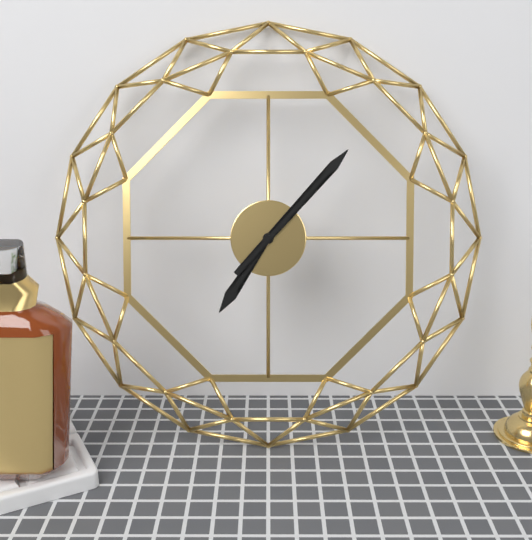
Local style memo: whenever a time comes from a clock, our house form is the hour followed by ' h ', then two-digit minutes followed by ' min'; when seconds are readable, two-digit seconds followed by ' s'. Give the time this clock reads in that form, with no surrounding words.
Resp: 7 h 07 min
